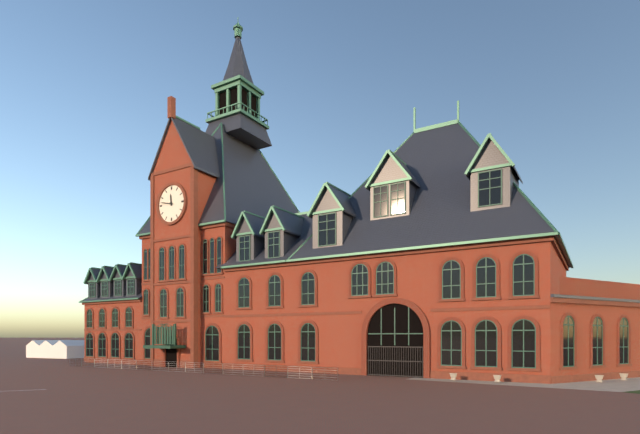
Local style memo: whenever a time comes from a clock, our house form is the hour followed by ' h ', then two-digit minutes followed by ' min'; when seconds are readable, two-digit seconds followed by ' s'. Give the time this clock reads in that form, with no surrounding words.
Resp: 11 h 47 min
